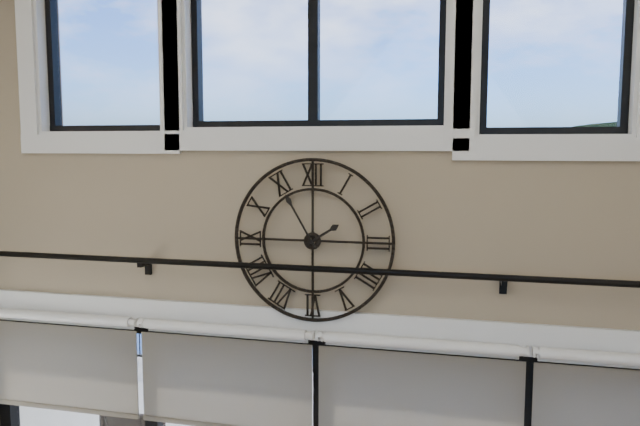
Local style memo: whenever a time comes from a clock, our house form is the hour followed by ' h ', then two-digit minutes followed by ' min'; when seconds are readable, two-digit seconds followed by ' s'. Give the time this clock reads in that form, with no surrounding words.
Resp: 1 h 55 min
